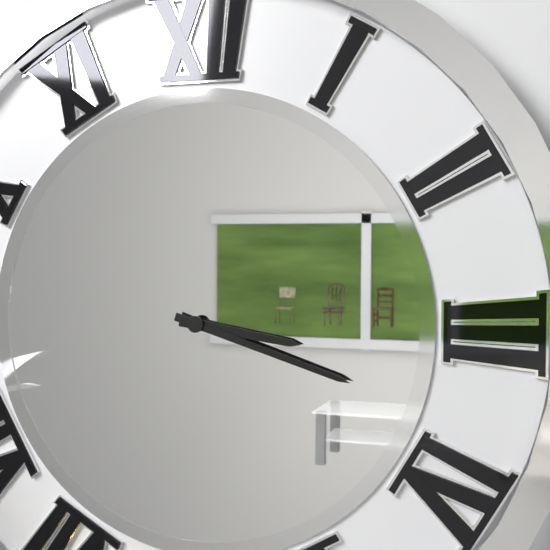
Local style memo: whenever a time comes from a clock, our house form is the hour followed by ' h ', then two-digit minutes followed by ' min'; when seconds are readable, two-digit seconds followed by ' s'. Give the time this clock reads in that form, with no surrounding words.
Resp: 3 h 18 min
